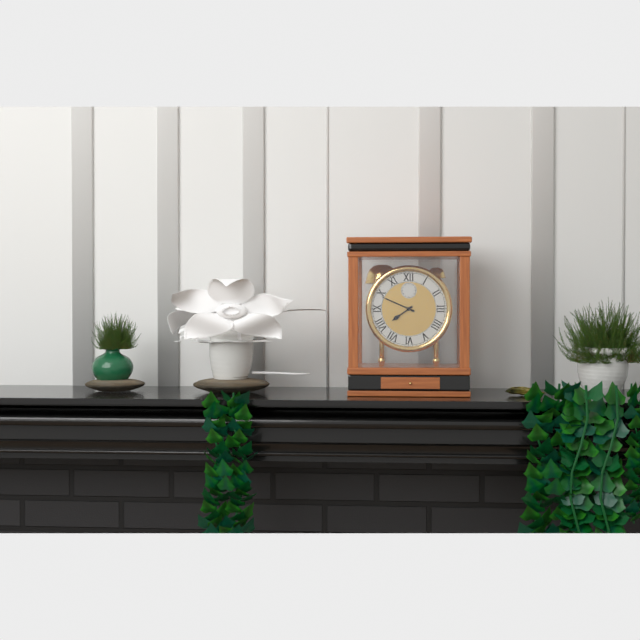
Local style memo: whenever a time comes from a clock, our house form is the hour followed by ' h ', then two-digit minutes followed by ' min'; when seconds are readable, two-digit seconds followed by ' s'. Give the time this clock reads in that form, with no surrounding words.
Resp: 7 h 49 min
